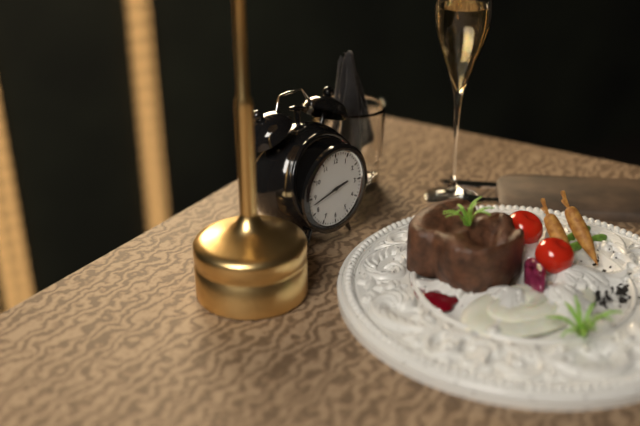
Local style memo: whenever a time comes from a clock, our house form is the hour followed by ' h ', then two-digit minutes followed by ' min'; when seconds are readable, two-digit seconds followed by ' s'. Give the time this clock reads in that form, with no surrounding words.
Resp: 2 h 43 min
